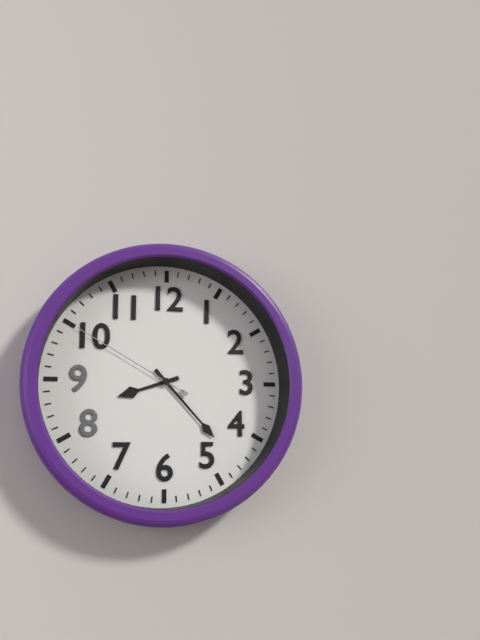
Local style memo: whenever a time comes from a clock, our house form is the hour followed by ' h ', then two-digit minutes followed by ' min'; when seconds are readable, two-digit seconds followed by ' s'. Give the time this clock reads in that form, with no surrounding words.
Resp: 8 h 23 min 50 s
